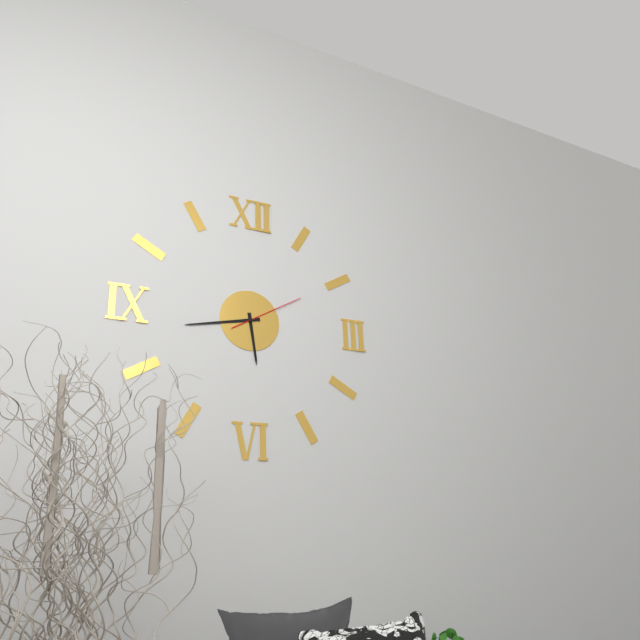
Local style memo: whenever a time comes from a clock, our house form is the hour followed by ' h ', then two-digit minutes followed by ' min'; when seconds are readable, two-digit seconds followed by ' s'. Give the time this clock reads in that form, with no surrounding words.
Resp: 5 h 43 min 10 s
